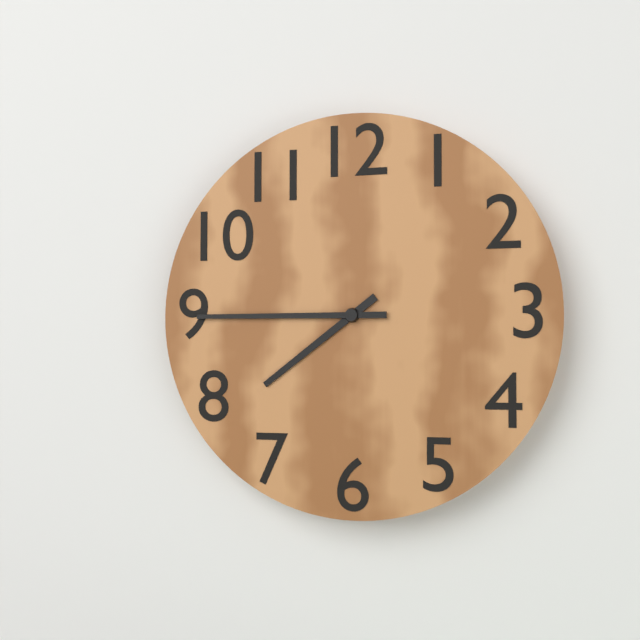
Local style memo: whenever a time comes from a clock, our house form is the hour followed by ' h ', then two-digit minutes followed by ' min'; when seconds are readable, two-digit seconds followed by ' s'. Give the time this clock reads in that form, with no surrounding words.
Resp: 7 h 45 min
